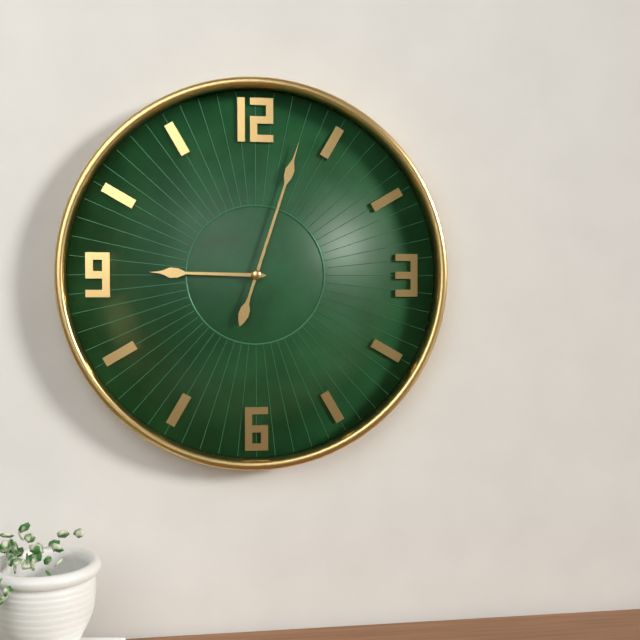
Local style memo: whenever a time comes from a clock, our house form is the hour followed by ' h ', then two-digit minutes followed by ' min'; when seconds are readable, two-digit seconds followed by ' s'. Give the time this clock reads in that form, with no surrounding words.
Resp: 9 h 03 min
